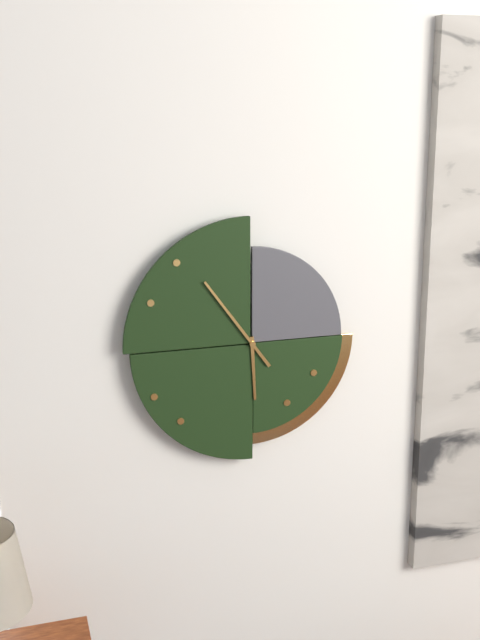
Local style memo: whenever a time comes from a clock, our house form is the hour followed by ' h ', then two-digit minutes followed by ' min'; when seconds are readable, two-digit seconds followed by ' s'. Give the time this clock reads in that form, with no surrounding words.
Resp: 5 h 54 min
